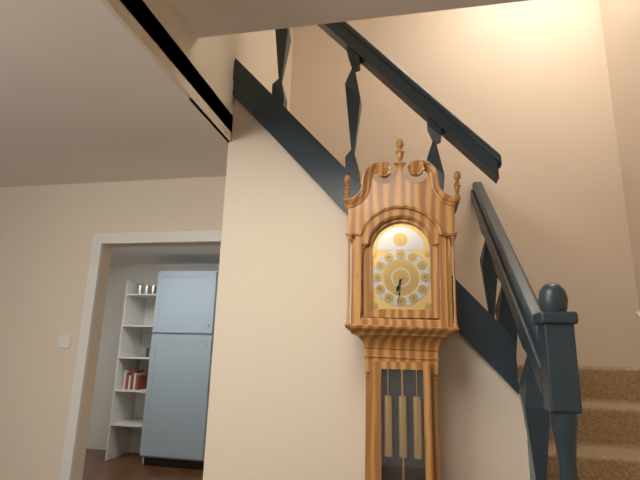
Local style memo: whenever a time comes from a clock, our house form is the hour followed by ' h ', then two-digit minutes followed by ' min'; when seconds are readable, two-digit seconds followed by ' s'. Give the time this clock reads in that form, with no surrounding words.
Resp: 6 h 31 min
